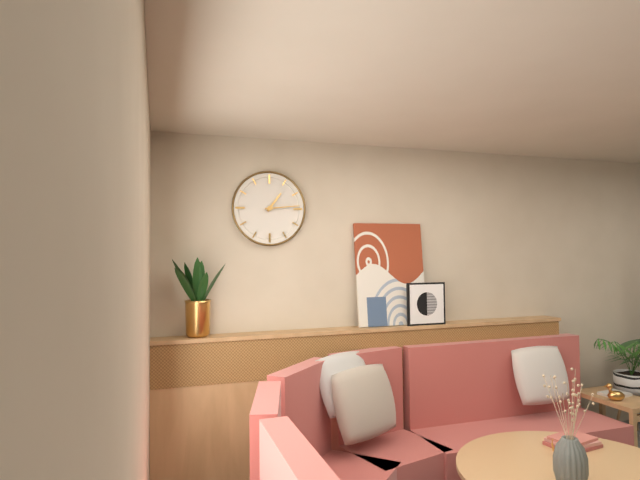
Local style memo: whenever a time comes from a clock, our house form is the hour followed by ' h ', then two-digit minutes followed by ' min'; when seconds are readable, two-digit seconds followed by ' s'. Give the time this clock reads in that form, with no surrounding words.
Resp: 1 h 14 min
